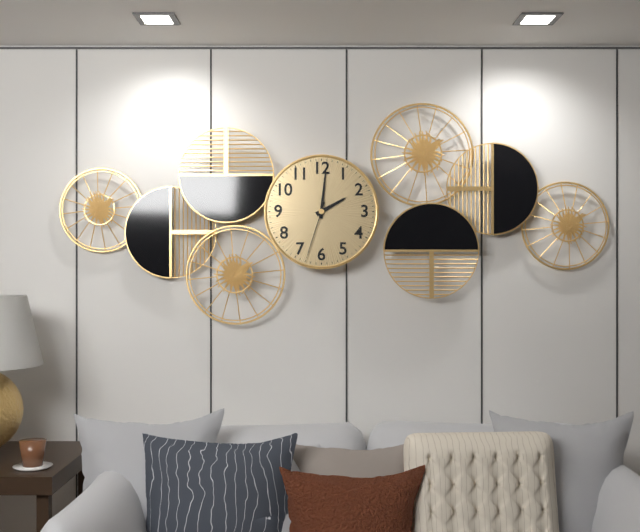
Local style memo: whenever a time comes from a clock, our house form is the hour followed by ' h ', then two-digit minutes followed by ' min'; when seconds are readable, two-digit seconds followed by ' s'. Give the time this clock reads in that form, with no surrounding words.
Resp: 2 h 01 min 33 s
